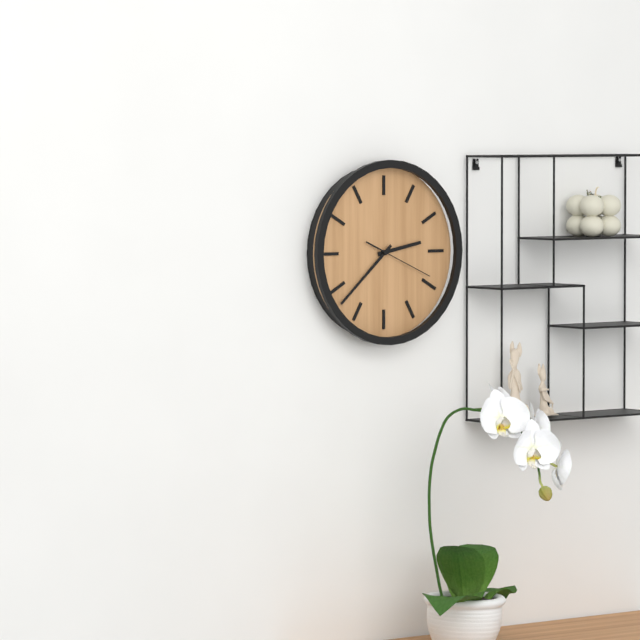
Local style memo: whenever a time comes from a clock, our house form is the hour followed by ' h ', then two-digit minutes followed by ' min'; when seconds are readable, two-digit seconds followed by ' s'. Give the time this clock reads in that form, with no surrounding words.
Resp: 2 h 38 min 19 s
